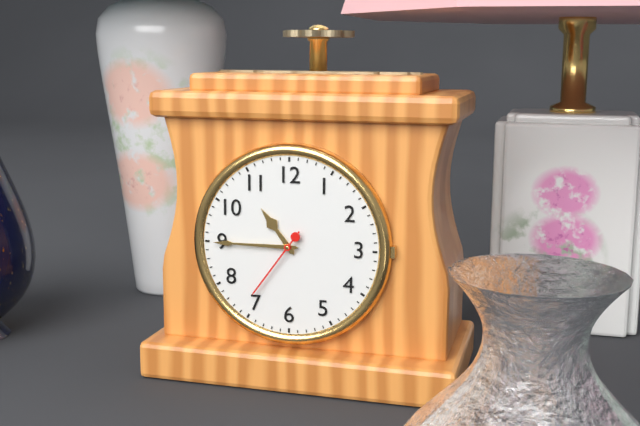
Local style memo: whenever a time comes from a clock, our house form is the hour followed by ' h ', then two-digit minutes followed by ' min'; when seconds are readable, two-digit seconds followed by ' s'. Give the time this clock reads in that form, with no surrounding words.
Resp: 10 h 45 min 36 s
